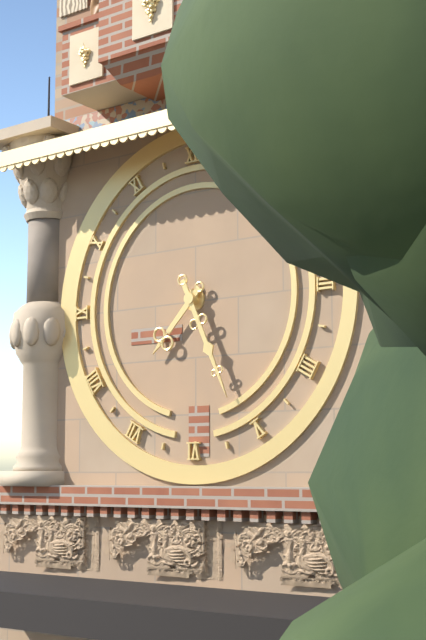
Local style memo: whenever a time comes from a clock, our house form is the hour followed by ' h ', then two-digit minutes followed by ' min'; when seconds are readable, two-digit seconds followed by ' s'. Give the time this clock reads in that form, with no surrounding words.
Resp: 7 h 26 min
